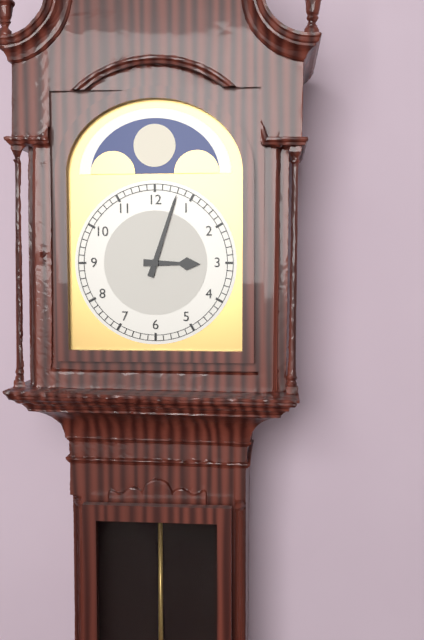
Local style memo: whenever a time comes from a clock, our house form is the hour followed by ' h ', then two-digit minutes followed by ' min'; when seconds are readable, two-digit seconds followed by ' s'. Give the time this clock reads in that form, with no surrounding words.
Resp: 3 h 03 min
